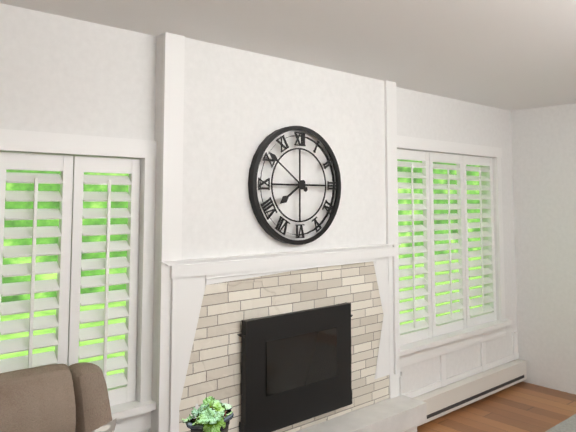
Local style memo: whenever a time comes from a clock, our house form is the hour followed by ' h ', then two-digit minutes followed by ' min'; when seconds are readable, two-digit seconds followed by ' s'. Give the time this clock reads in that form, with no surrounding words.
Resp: 7 h 51 min
